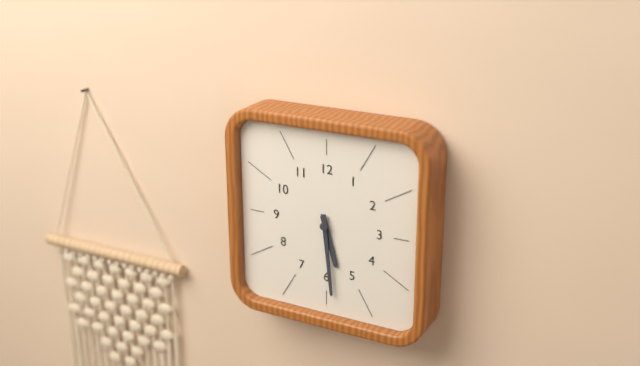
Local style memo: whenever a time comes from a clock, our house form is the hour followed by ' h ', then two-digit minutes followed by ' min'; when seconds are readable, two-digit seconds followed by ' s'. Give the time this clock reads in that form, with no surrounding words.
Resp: 5 h 29 min
